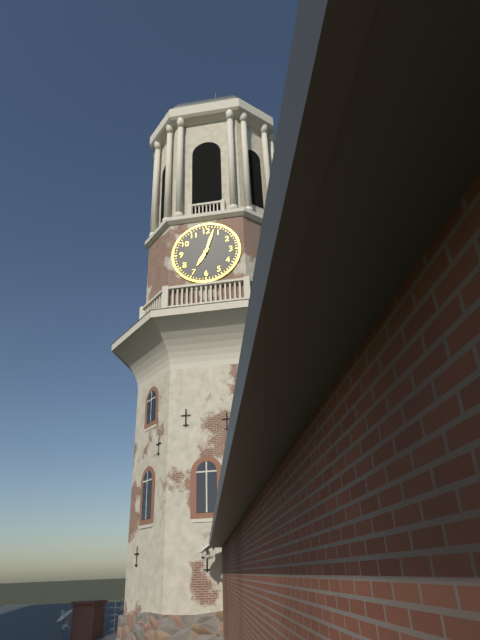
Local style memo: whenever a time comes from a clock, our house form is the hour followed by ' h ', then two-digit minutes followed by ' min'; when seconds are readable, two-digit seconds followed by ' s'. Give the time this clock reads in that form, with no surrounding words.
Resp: 7 h 03 min
